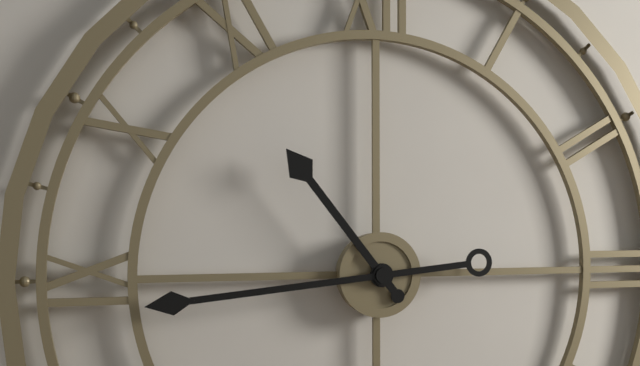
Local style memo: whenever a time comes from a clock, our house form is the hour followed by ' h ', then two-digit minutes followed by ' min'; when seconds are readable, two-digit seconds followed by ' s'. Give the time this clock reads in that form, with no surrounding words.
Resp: 10 h 44 min
